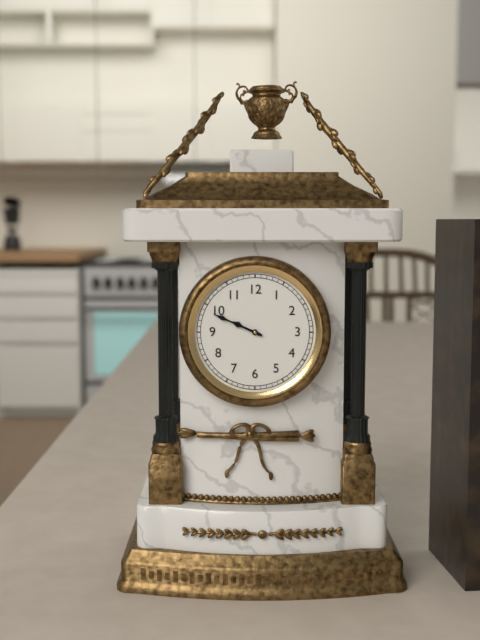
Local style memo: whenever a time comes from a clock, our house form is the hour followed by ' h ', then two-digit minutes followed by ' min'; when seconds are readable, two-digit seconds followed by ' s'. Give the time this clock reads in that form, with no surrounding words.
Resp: 9 h 49 min
